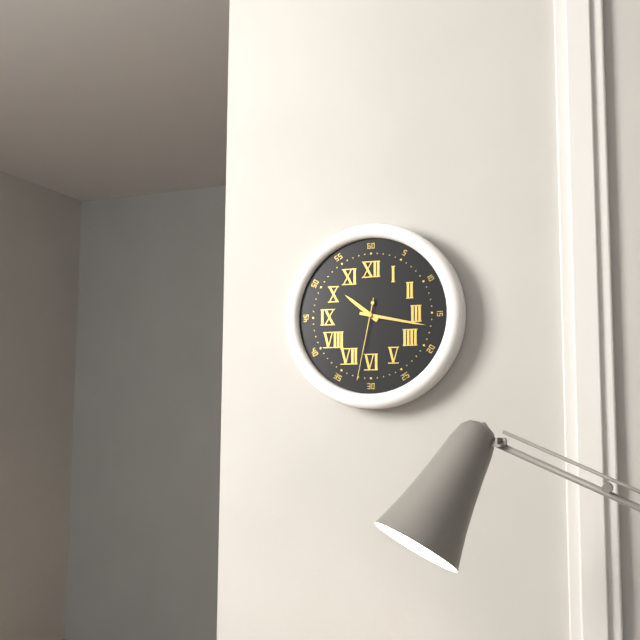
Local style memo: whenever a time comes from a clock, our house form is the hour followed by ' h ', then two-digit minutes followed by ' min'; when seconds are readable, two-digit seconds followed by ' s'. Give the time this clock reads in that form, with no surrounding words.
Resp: 10 h 17 min 32 s
